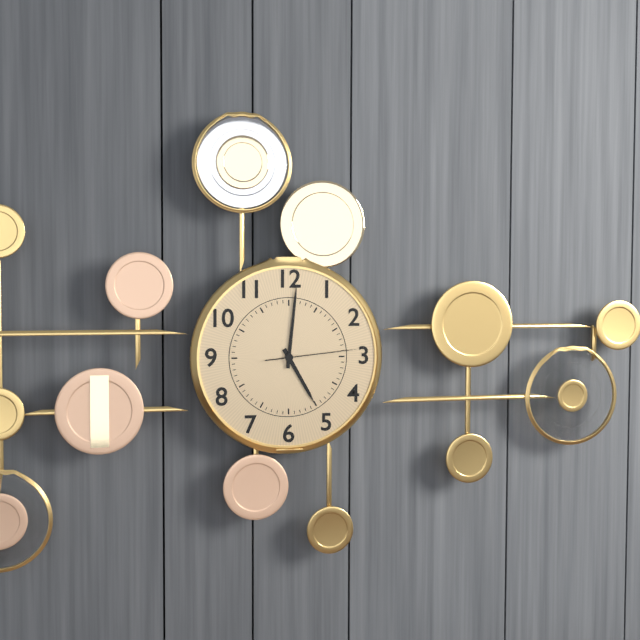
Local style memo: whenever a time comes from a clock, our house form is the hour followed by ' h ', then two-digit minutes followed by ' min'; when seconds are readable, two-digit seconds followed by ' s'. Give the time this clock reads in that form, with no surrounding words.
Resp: 5 h 01 min 14 s
